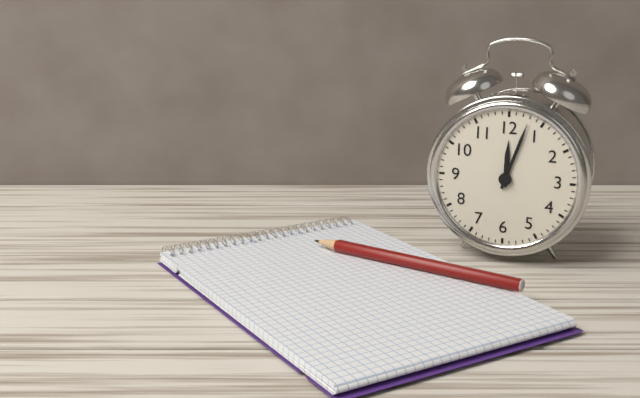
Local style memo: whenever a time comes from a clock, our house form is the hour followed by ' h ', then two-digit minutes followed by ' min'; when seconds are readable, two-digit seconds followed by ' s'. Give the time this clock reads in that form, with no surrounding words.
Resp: 12 h 03 min
